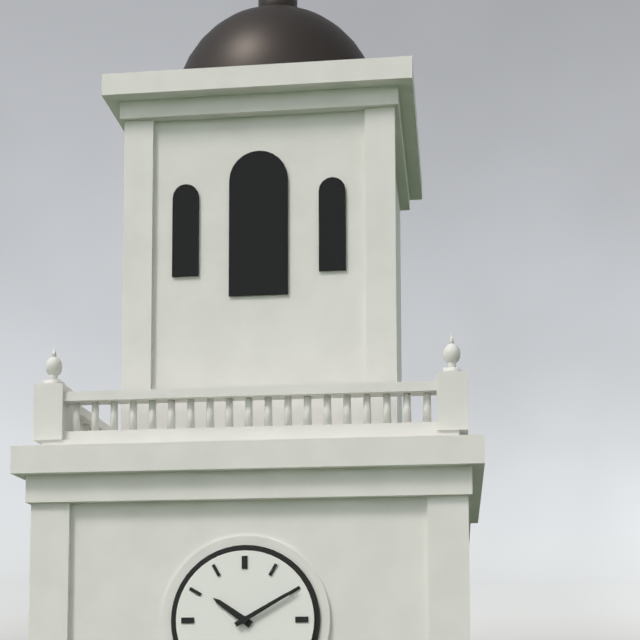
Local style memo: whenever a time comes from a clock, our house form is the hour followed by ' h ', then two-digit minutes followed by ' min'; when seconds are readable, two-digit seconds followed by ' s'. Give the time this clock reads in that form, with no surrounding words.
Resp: 10 h 10 min
